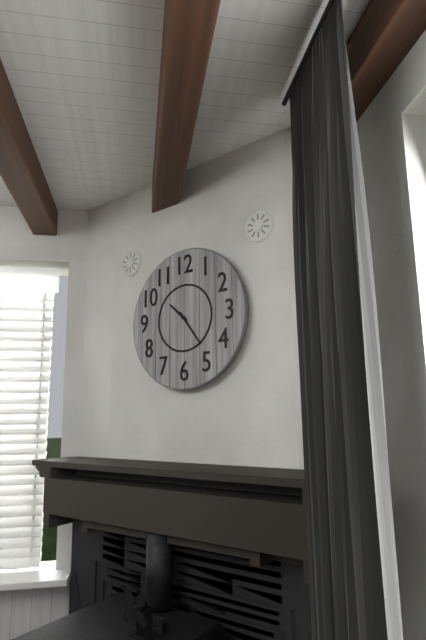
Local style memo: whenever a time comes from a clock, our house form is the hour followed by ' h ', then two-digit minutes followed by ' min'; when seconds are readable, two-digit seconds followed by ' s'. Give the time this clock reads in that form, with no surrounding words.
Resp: 10 h 24 min
